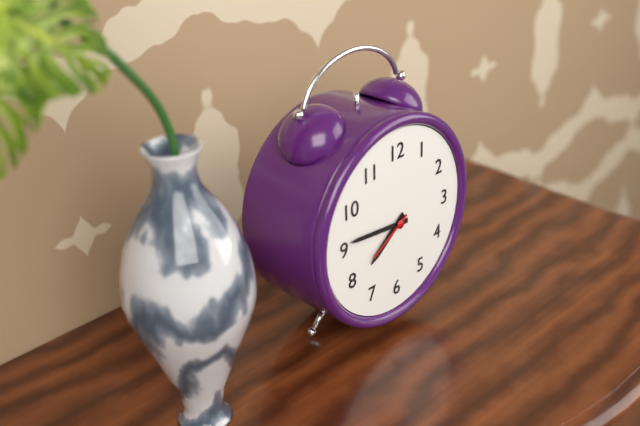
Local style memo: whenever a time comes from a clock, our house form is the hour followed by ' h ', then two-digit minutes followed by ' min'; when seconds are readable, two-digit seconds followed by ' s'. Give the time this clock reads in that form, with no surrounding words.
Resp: 7 h 46 min 40 s
